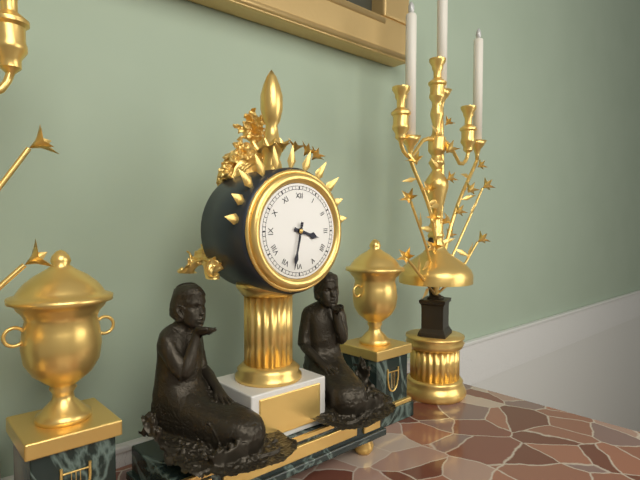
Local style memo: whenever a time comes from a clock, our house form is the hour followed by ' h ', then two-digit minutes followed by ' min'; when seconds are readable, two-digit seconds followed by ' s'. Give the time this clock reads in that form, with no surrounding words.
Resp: 3 h 32 min
